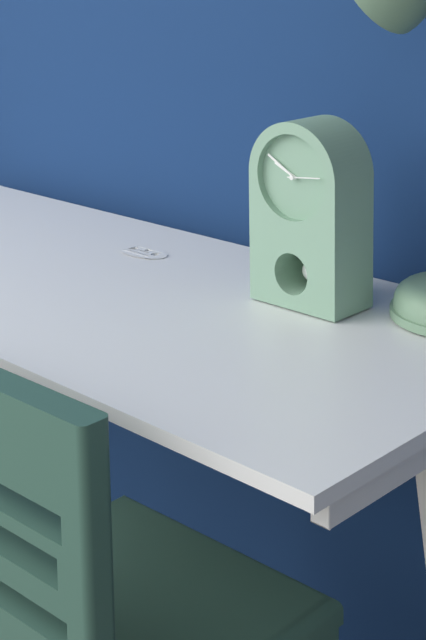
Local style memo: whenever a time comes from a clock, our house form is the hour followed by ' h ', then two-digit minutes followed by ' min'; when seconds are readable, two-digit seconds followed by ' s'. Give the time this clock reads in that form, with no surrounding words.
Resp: 9 h 50 min
